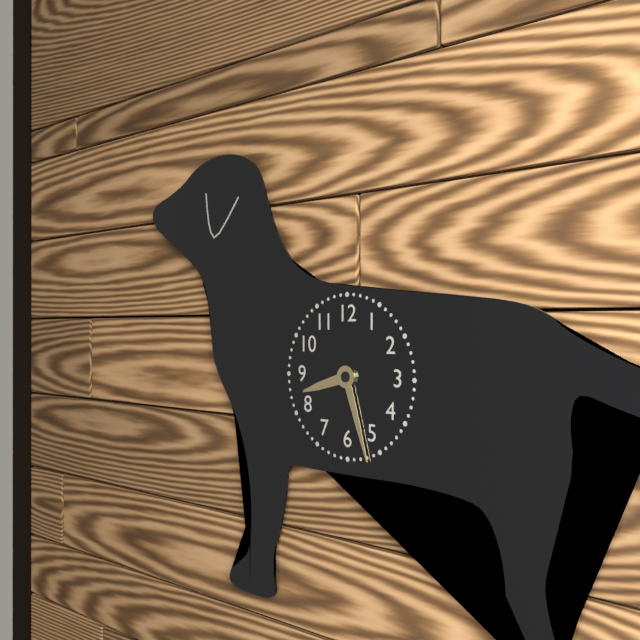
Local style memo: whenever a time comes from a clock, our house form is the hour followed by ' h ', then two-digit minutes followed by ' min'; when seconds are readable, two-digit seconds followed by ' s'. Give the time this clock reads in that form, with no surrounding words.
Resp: 8 h 27 min
